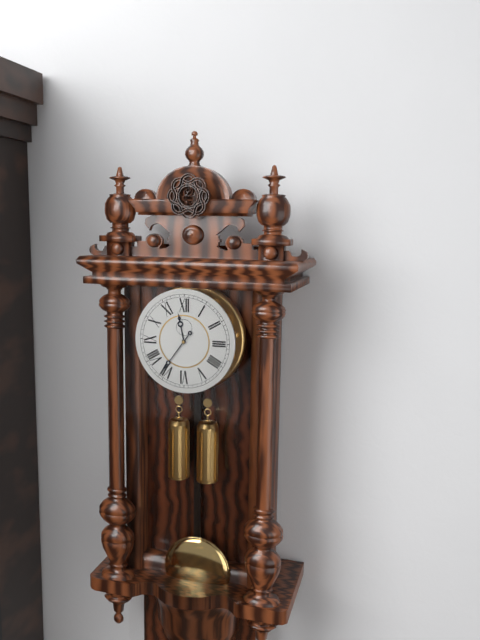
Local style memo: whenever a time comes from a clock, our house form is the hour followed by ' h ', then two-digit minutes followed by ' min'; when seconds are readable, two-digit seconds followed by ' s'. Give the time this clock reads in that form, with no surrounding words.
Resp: 11 h 36 min
